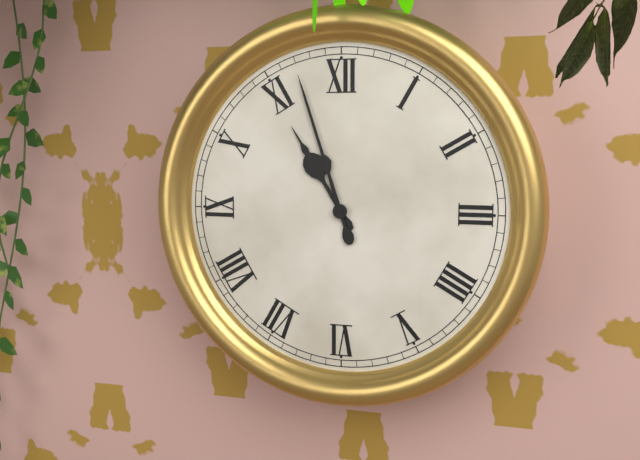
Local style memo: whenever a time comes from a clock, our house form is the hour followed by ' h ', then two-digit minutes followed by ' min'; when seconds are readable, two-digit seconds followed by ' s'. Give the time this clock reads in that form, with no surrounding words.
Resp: 10 h 57 min
